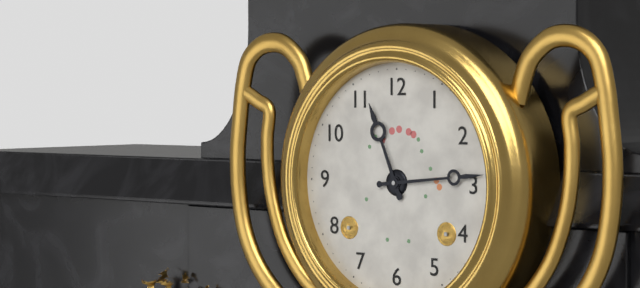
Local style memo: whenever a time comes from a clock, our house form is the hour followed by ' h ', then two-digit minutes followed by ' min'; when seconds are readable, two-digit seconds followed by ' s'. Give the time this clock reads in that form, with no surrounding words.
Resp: 11 h 14 min
